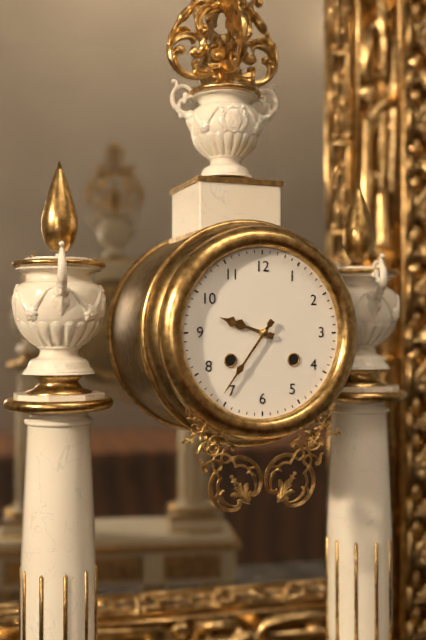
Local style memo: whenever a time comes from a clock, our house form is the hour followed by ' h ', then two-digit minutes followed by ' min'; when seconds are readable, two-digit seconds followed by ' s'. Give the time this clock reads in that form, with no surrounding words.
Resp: 9 h 36 min
